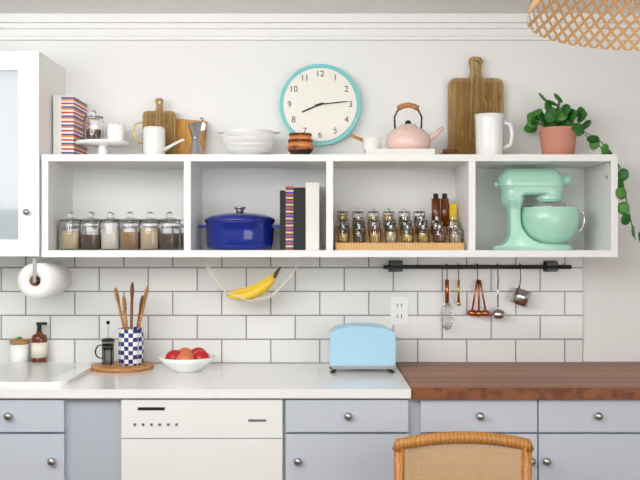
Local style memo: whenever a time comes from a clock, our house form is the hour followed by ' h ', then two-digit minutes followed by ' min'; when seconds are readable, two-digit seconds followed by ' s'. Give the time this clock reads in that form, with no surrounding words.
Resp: 8 h 14 min
